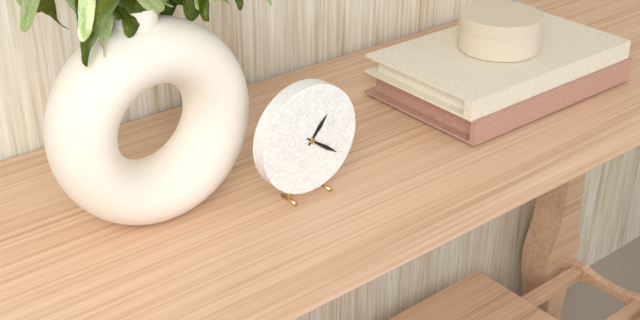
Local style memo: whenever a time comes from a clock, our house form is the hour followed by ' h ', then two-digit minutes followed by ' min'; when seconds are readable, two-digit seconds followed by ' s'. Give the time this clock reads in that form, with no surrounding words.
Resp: 1 h 21 min
